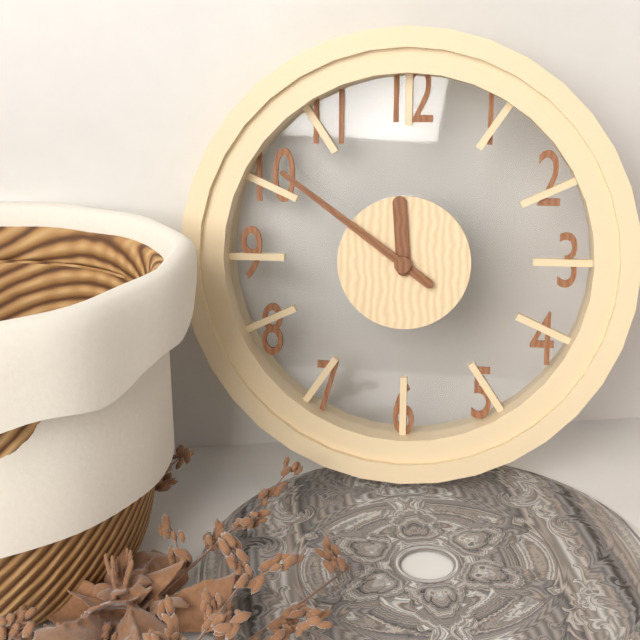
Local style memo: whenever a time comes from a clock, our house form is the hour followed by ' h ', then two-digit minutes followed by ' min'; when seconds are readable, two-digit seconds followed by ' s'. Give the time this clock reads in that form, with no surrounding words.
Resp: 11 h 51 min
